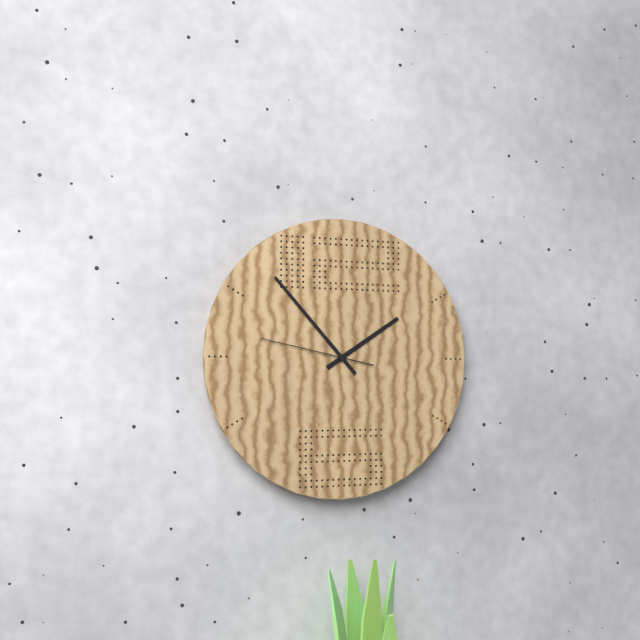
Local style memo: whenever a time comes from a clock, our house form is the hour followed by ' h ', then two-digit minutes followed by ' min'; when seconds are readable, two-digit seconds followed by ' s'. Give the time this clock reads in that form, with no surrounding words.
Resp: 1 h 53 min 47 s
